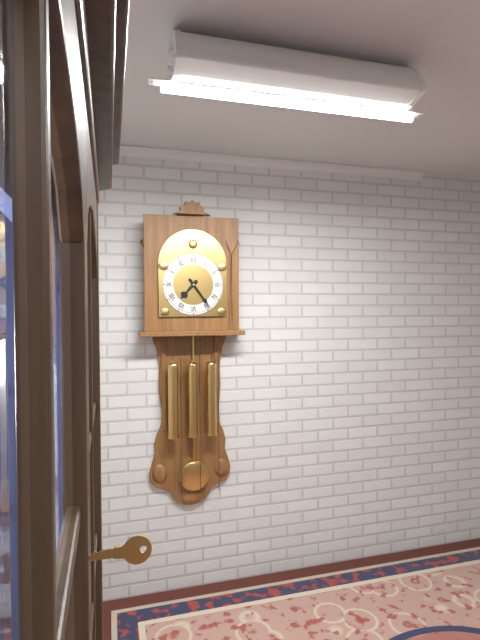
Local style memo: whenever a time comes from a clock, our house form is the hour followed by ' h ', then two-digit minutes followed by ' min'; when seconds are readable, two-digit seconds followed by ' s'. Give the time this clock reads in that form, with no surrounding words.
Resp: 7 h 24 min
